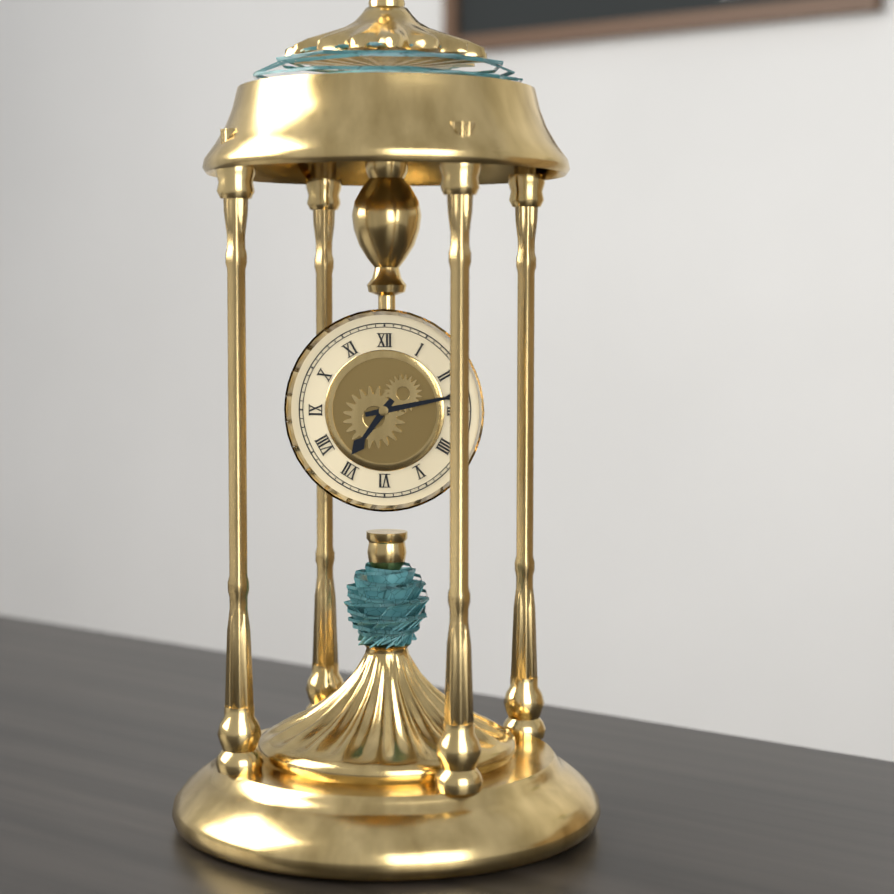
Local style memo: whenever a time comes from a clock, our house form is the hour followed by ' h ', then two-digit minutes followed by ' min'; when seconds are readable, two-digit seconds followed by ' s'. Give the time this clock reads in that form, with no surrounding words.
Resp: 7 h 13 min
